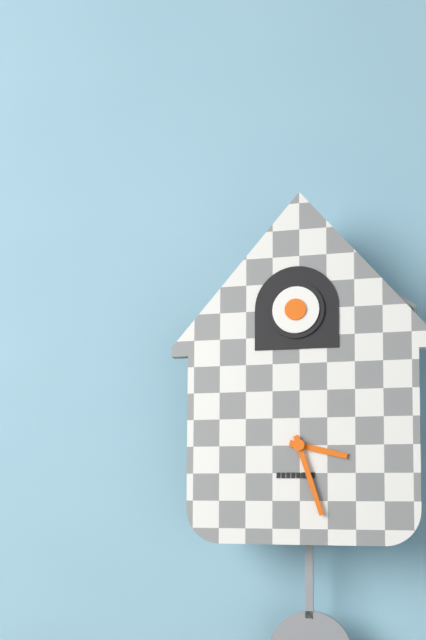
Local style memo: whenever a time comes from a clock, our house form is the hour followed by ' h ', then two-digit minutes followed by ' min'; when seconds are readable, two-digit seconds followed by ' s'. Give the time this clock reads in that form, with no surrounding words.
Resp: 3 h 27 min
